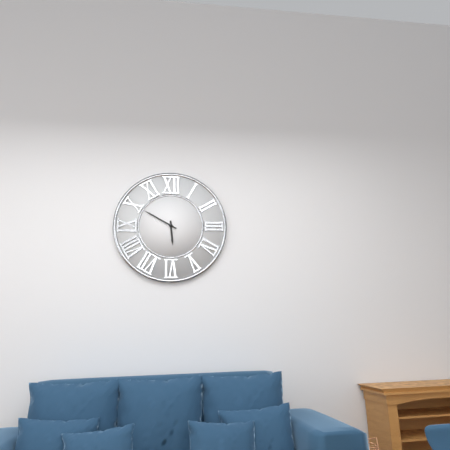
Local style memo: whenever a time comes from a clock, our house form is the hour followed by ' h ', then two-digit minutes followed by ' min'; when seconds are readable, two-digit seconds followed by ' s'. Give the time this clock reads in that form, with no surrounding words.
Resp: 5 h 50 min
